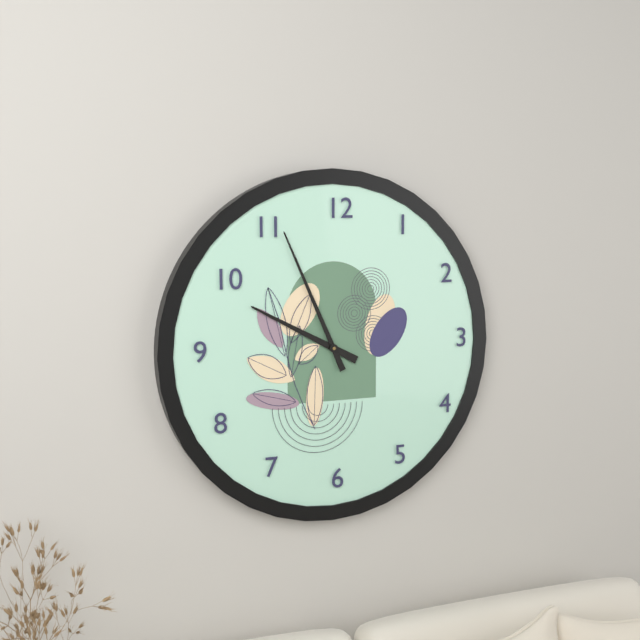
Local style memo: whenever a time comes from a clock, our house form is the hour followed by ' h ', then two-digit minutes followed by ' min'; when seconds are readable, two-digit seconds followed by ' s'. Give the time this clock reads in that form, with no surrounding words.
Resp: 9 h 56 min
